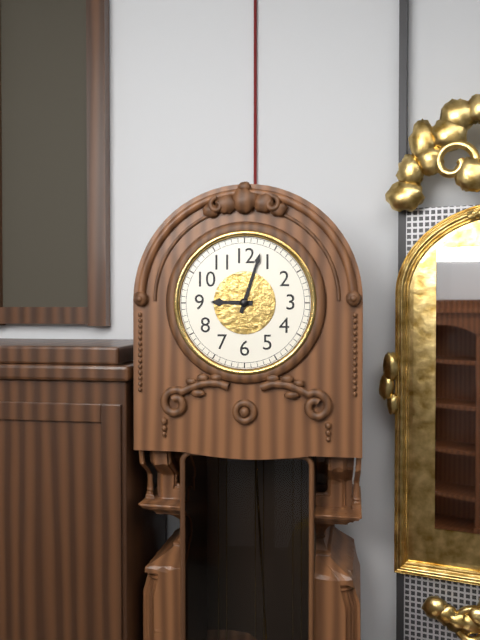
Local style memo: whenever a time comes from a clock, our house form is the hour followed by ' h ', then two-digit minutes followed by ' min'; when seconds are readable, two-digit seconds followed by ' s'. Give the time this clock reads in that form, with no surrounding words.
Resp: 9 h 03 min
